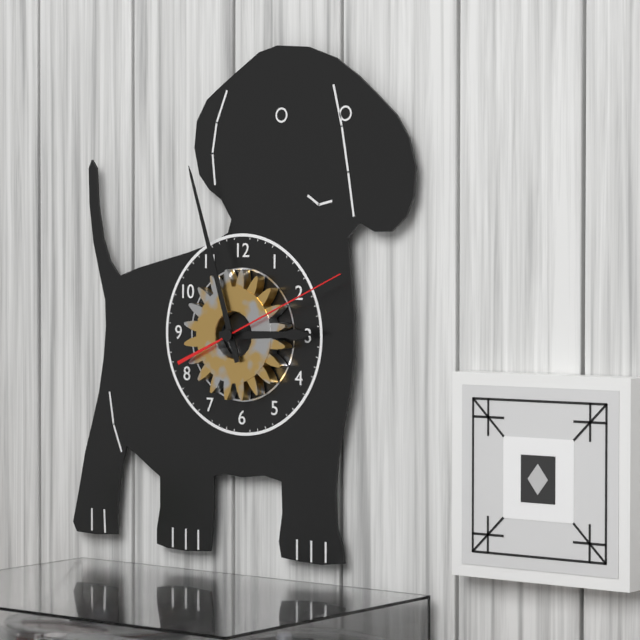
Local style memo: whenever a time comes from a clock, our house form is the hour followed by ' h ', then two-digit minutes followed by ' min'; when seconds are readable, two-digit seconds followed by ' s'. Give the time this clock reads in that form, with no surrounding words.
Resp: 2 h 57 min 11 s
